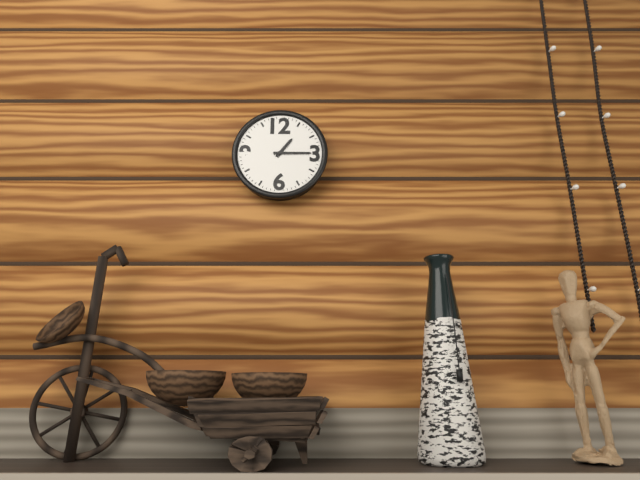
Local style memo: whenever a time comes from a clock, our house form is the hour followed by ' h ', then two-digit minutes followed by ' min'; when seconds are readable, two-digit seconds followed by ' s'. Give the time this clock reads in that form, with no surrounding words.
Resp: 1 h 15 min
